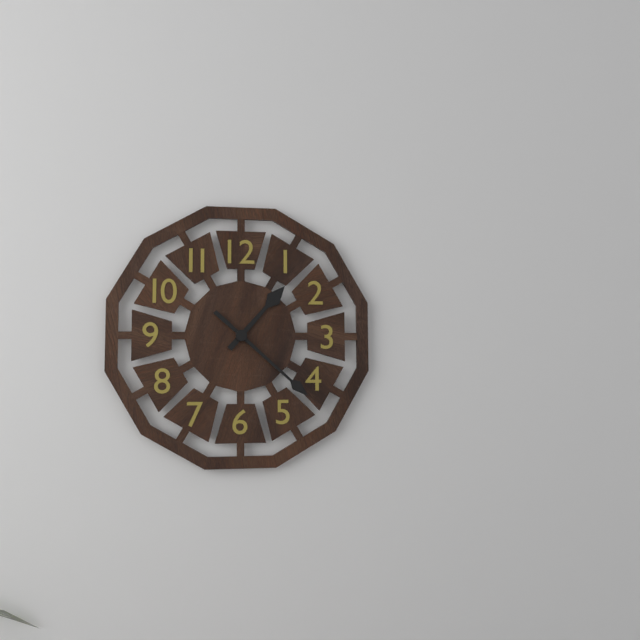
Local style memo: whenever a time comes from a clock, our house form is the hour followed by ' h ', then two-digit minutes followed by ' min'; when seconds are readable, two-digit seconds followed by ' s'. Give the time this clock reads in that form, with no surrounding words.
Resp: 1 h 22 min
